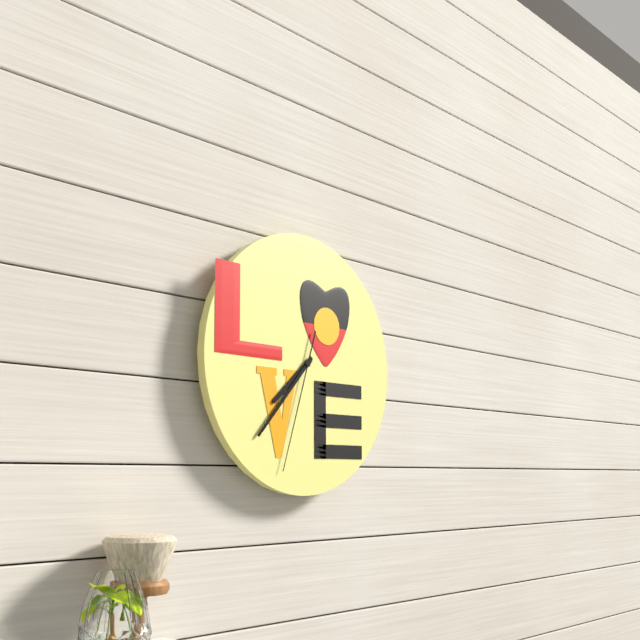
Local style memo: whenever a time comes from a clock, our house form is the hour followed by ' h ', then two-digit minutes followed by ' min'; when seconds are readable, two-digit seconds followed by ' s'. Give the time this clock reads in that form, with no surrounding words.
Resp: 7 h 37 min 33 s
